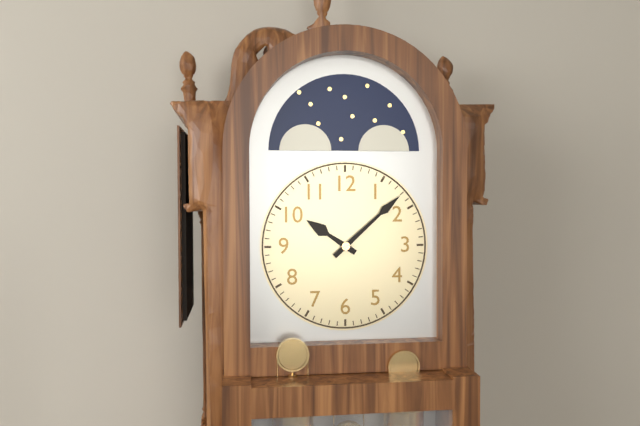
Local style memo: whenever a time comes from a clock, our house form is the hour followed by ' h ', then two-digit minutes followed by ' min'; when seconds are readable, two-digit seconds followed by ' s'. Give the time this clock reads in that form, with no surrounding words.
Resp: 10 h 08 min
